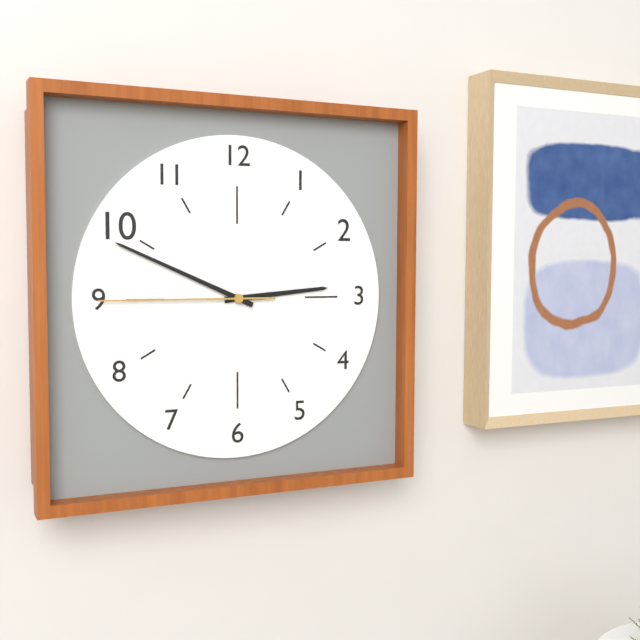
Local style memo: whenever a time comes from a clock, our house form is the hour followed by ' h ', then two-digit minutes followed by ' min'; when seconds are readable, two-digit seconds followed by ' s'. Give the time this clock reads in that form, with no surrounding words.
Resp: 2 h 49 min 45 s
